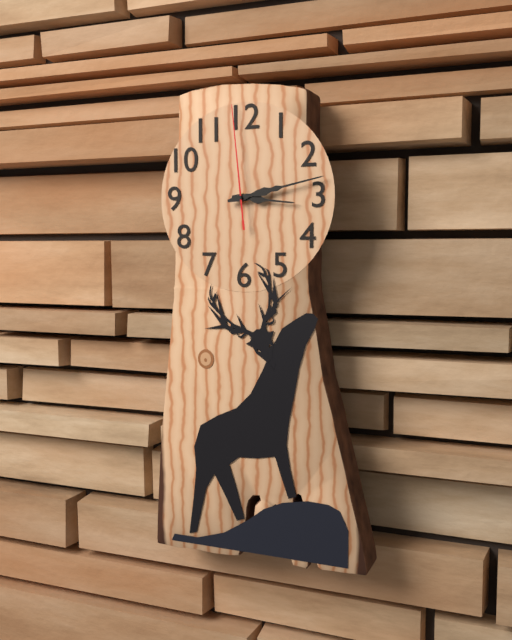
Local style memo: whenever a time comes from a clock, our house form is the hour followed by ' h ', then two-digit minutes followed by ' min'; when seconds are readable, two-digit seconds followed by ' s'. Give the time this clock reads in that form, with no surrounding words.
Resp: 3 h 13 min 59 s
